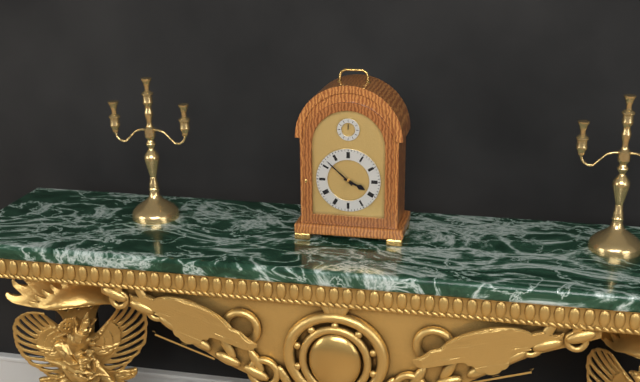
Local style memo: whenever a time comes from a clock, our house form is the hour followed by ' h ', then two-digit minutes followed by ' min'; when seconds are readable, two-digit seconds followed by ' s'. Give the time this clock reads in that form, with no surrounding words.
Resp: 3 h 52 min
